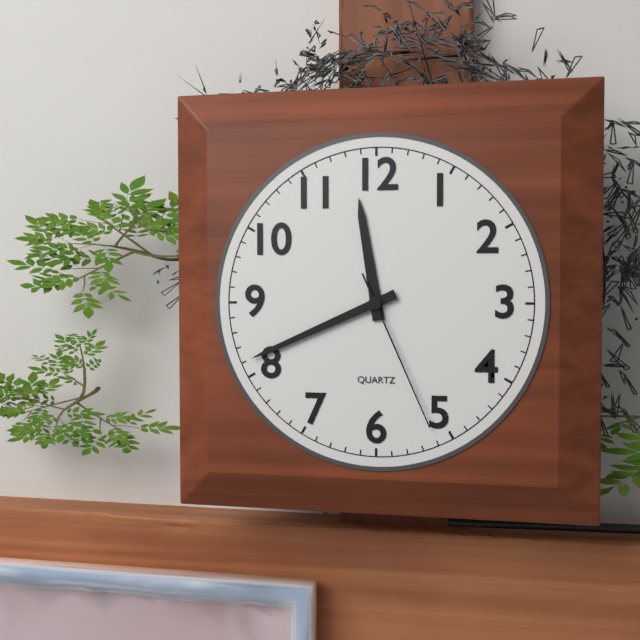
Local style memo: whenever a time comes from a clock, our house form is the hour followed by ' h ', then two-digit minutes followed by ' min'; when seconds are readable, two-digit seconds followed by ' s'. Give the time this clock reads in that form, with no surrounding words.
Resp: 11 h 41 min 26 s
